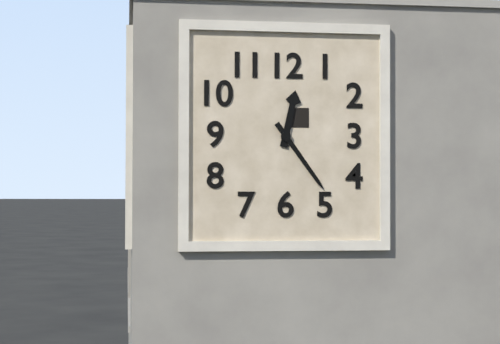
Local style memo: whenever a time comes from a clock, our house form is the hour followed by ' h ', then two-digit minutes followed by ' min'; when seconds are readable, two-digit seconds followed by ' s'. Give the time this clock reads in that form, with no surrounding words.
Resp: 12 h 24 min
